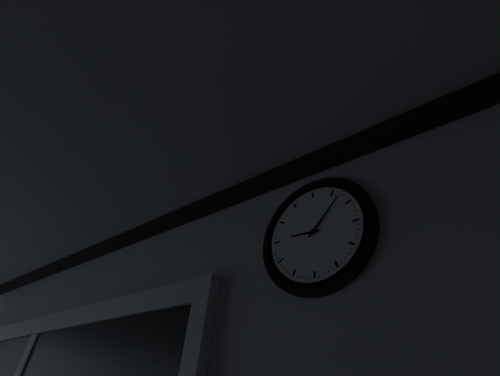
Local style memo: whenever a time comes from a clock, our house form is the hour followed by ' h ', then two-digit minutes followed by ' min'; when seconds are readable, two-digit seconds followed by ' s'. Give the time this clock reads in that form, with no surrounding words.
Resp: 9 h 07 min
